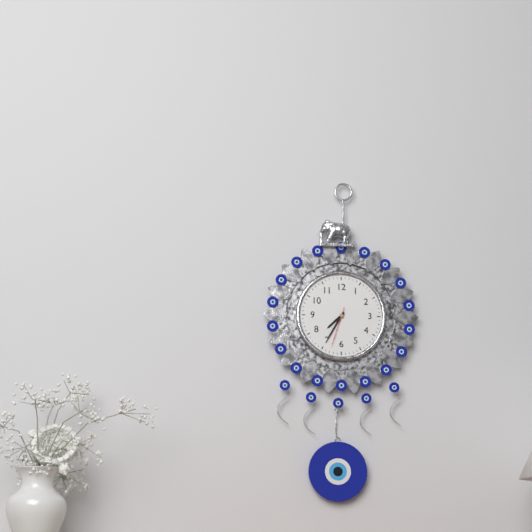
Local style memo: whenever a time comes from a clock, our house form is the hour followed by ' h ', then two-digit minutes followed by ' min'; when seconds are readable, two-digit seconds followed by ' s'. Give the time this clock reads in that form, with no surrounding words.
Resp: 7 h 35 min
